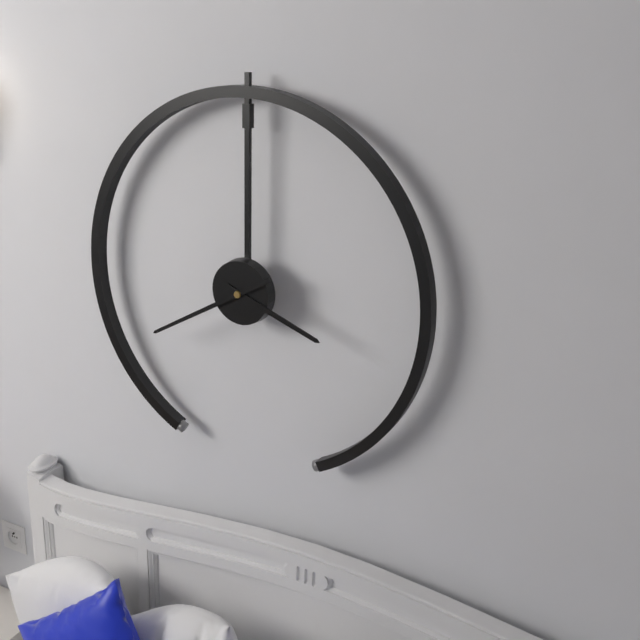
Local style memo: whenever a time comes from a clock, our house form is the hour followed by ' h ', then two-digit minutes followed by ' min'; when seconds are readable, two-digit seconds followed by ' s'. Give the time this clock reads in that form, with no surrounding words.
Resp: 3 h 40 min
